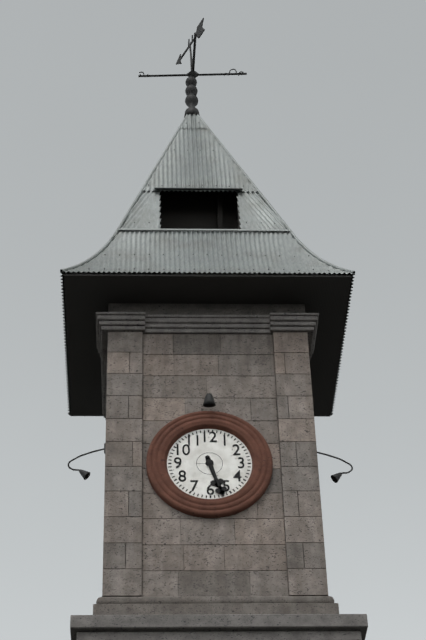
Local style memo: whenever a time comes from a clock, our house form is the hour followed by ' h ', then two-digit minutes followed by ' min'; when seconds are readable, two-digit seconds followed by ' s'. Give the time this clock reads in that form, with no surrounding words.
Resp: 5 h 27 min
